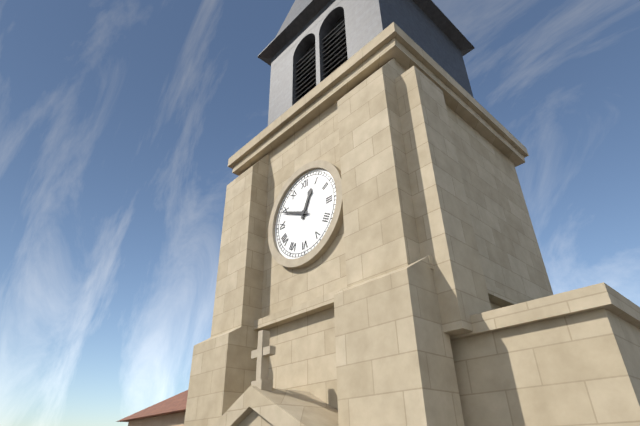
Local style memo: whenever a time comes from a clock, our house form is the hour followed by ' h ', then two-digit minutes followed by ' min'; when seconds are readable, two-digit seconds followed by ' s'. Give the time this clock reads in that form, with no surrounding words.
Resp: 12 h 49 min
